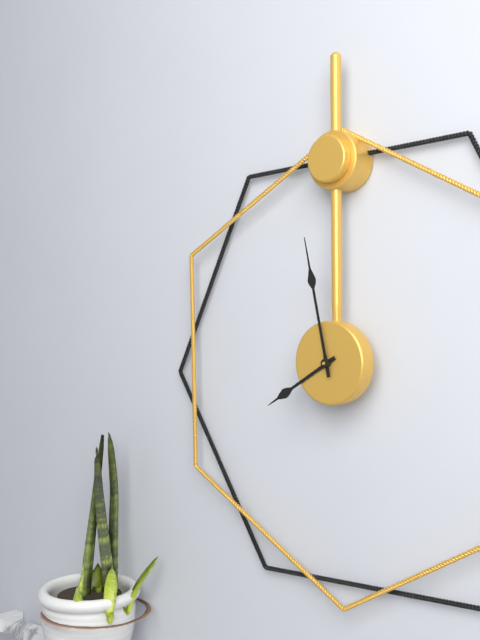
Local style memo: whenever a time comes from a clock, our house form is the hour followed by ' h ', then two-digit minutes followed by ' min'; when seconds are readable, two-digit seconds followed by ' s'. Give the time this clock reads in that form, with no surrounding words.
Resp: 7 h 58 min
